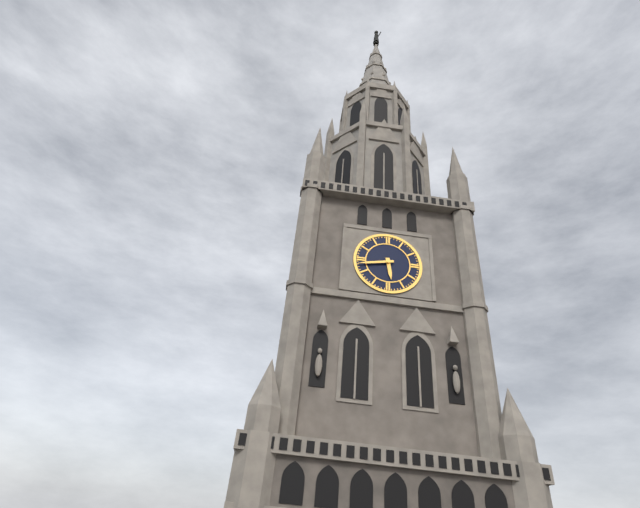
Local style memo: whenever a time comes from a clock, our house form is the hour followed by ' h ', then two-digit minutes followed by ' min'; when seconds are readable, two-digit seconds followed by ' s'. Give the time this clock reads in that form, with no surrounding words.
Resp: 5 h 43 min
